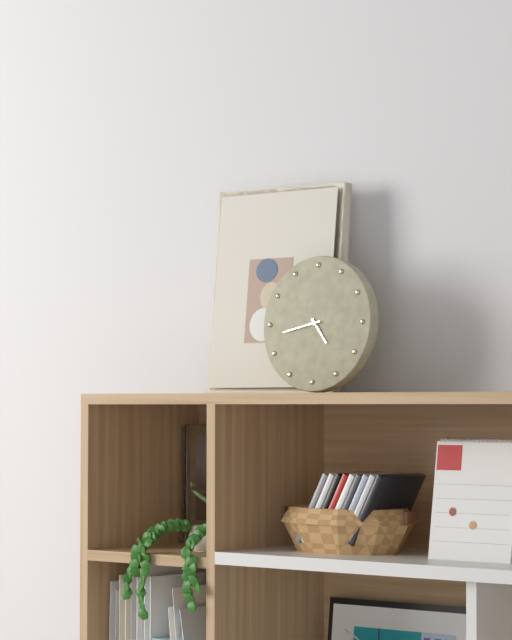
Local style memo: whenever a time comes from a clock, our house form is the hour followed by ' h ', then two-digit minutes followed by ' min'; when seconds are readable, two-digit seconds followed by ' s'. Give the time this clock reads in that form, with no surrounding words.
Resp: 4 h 43 min
